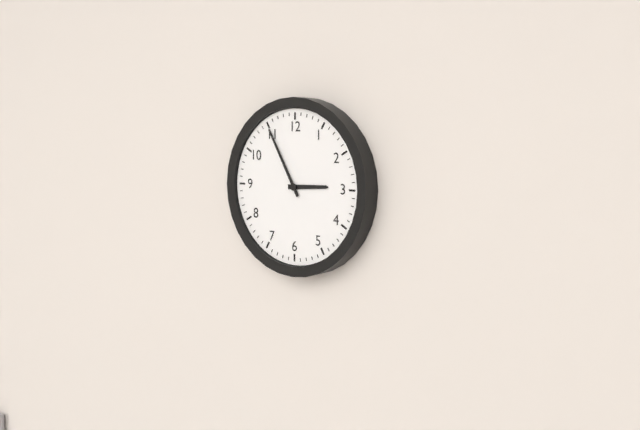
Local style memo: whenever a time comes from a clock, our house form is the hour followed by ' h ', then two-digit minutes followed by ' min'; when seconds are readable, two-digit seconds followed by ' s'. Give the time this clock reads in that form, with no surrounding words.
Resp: 2 h 55 min
